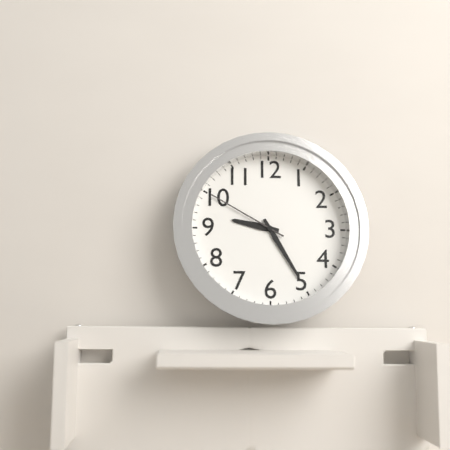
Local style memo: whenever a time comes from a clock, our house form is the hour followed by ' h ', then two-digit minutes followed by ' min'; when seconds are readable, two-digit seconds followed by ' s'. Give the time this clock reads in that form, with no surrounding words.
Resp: 9 h 25 min 50 s
